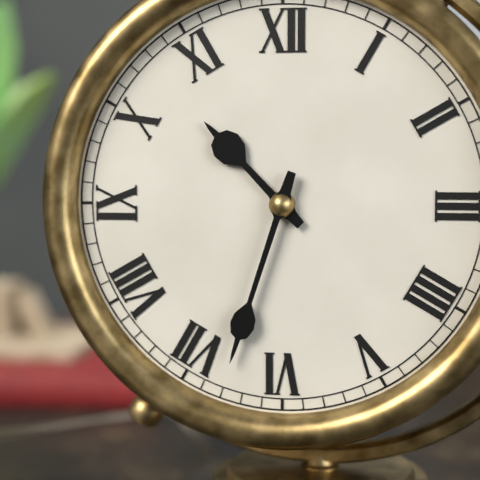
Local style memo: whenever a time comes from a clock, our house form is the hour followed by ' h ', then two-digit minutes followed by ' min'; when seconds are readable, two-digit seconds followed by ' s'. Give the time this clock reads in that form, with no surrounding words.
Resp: 10 h 33 min
